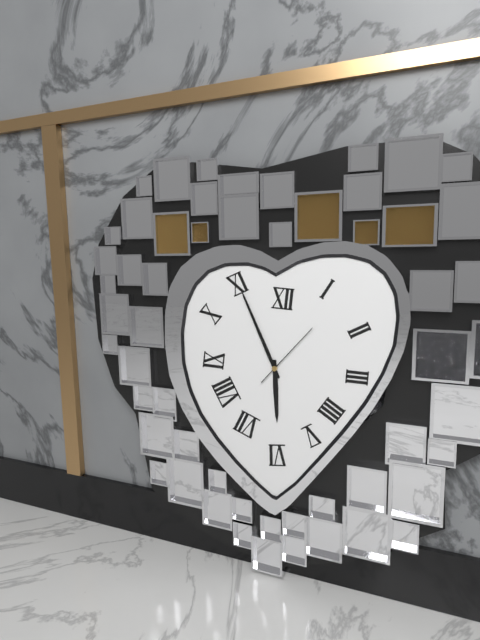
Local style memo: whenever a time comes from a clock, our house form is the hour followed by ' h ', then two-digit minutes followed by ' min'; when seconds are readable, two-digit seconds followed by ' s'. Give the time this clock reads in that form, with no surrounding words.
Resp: 5 h 56 min 07 s
